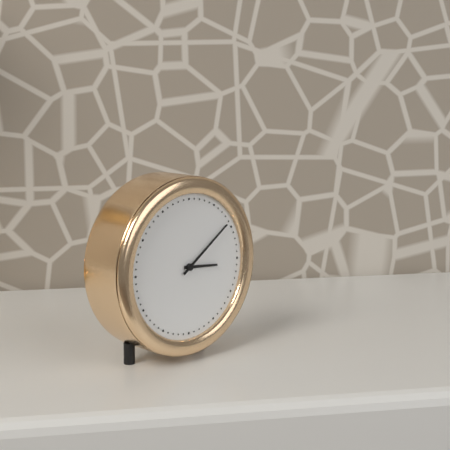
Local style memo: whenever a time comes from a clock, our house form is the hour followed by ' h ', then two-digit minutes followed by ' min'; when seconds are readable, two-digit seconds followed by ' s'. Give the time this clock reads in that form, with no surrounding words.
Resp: 3 h 09 min
